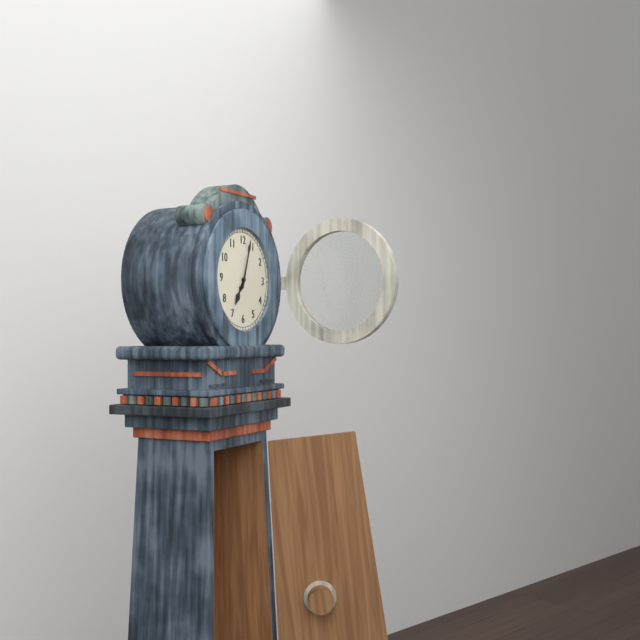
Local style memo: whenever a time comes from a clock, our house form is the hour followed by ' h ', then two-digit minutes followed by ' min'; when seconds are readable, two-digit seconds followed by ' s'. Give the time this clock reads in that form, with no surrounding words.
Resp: 7 h 03 min
